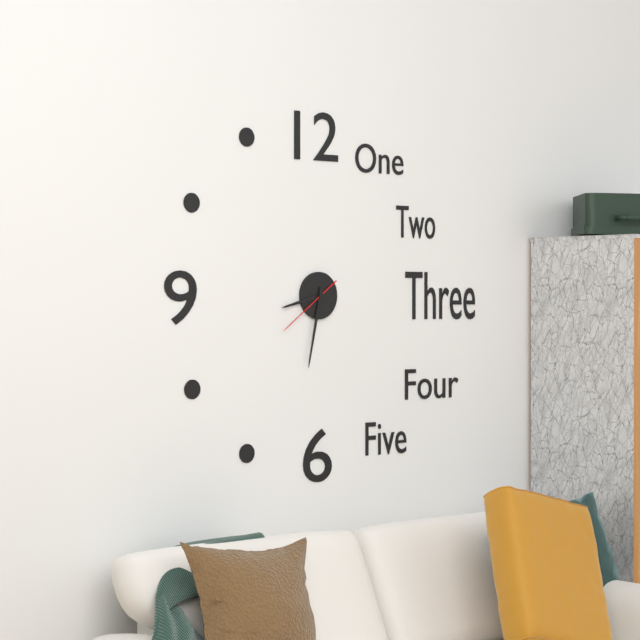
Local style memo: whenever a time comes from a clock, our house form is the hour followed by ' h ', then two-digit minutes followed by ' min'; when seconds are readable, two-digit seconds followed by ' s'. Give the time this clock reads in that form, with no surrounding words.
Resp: 8 h 32 min 39 s
